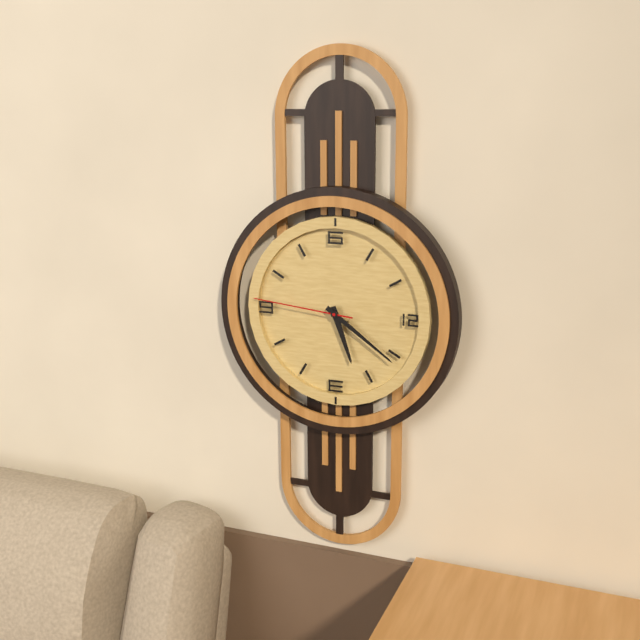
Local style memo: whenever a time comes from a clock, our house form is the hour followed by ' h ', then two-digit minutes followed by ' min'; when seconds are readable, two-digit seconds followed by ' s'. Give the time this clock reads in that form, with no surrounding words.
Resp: 5 h 21 min 46 s
